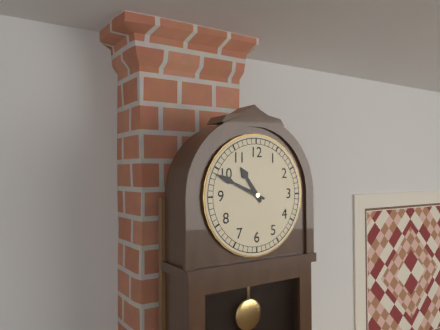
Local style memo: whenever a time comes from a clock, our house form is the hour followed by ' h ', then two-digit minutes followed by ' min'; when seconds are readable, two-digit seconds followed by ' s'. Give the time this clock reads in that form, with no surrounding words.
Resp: 10 h 49 min
